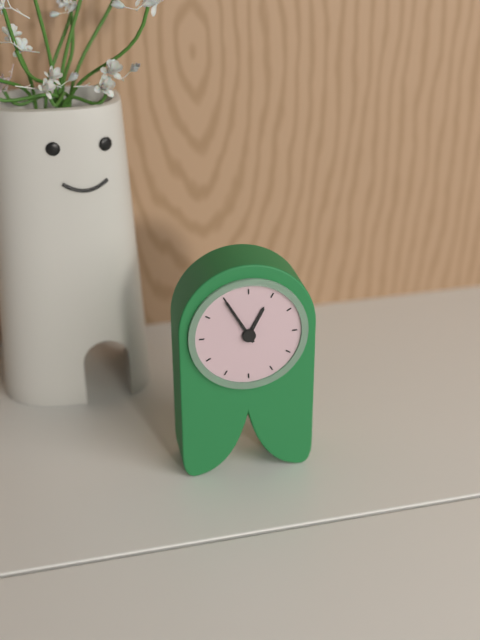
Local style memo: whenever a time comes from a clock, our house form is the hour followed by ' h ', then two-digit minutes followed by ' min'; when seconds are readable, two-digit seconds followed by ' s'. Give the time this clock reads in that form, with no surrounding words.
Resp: 12 h 55 min
